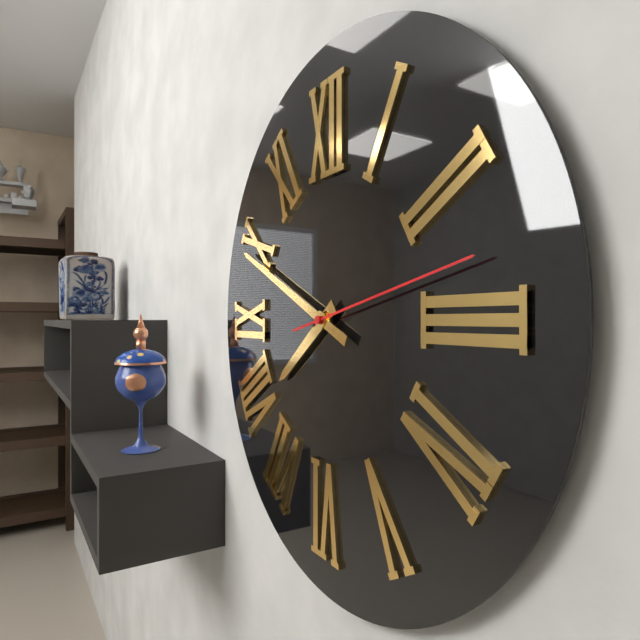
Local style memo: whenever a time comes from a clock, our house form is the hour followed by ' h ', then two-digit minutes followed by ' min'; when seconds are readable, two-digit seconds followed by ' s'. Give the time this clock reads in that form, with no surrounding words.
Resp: 7 h 49 min 13 s
